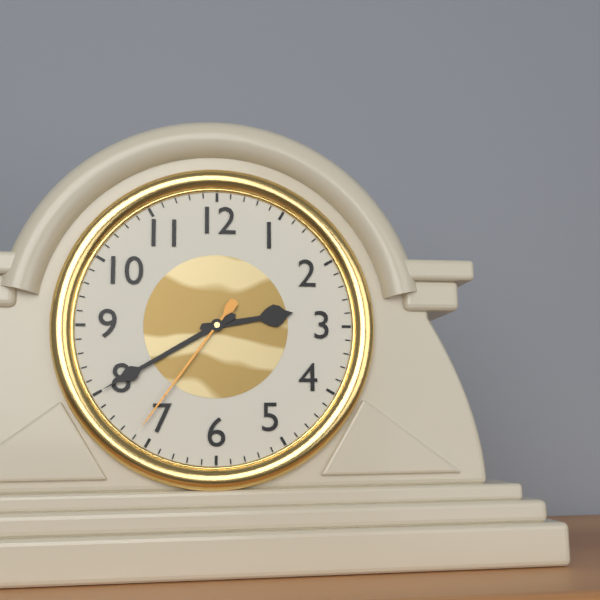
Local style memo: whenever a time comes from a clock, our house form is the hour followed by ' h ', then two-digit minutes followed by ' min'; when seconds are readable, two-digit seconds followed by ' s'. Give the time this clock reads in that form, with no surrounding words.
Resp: 2 h 40 min 36 s
